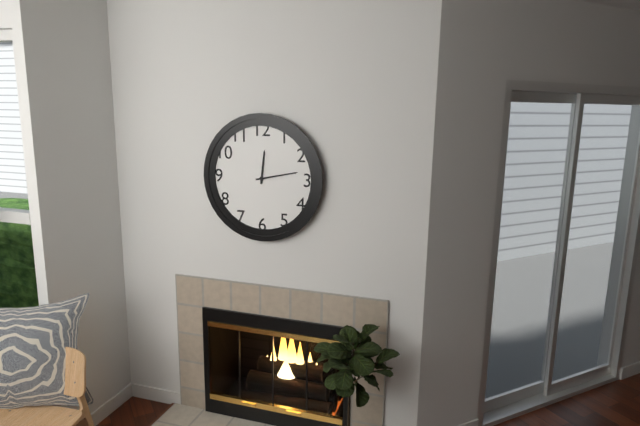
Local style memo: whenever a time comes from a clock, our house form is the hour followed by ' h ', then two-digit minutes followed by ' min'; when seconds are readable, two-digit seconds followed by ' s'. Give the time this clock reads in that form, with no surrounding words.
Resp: 12 h 13 min
